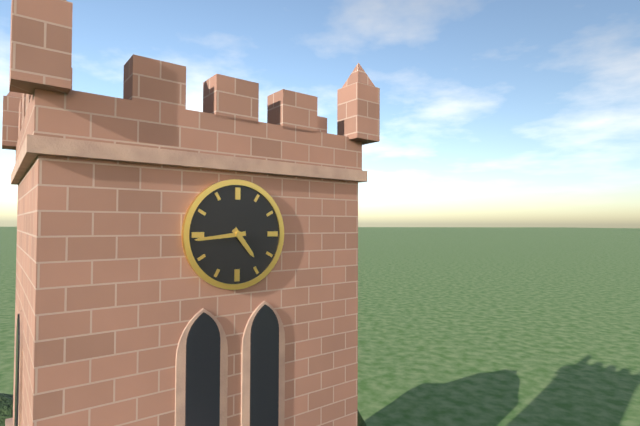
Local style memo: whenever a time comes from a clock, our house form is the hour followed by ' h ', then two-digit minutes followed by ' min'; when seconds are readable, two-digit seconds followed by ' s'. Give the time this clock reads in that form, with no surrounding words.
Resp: 4 h 44 min
